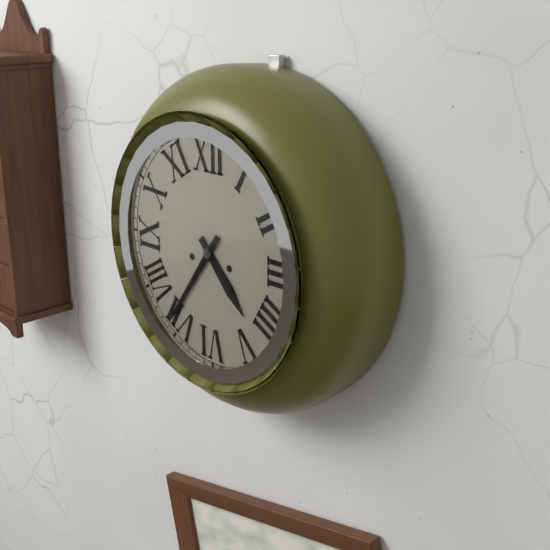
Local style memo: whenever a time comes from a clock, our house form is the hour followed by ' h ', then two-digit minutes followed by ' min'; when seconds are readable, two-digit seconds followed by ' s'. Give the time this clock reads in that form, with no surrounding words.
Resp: 4 h 36 min
